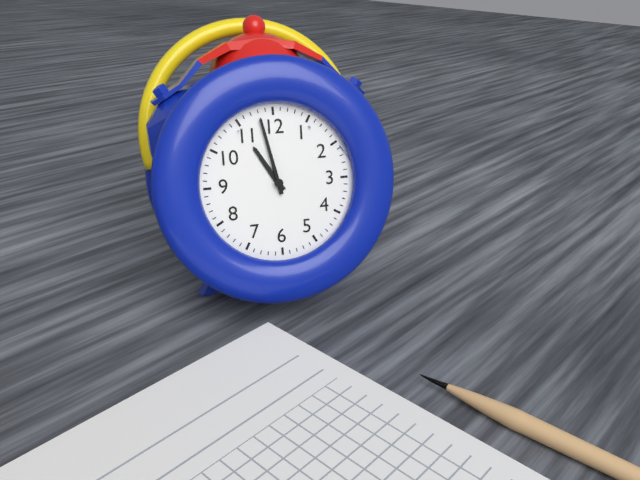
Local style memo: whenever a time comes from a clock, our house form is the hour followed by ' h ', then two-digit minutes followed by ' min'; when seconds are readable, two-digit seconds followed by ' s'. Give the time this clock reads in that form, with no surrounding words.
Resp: 10 h 58 min
